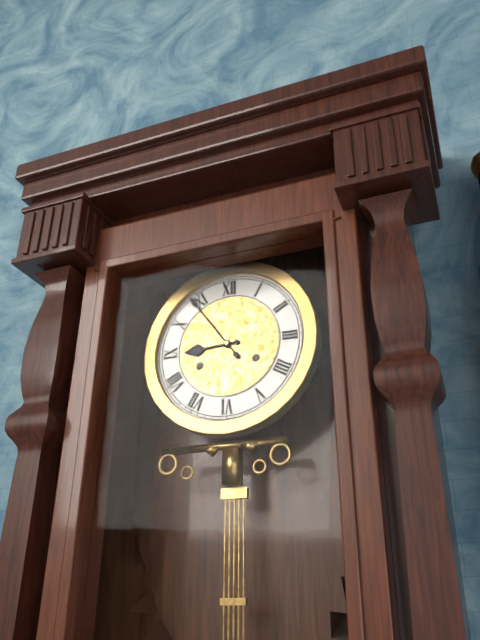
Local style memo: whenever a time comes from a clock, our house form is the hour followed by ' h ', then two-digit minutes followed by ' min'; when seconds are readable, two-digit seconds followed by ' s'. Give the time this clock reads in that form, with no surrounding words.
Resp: 8 h 54 min
